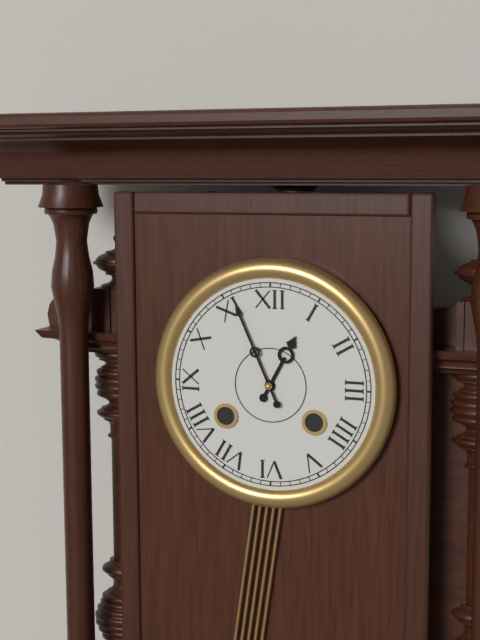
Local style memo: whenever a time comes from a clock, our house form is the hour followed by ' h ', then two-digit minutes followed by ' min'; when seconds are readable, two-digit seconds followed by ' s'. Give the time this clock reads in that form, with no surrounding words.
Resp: 12 h 56 min
